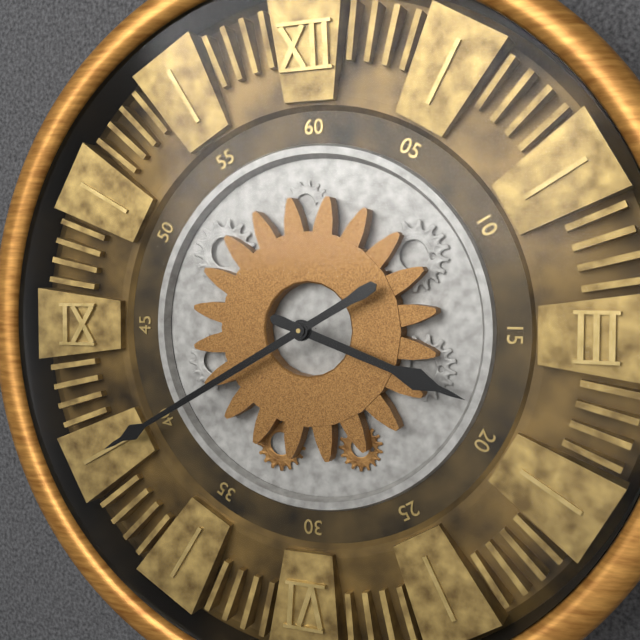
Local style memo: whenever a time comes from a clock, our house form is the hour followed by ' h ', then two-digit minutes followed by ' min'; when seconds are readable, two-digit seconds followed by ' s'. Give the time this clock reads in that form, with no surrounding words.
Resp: 3 h 40 min
